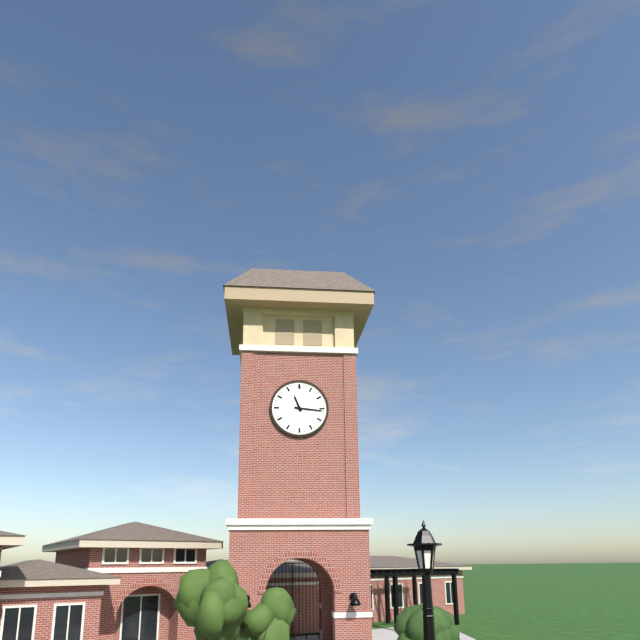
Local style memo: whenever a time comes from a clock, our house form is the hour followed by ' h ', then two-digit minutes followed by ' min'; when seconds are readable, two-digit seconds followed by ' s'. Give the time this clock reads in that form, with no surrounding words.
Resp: 11 h 16 min
